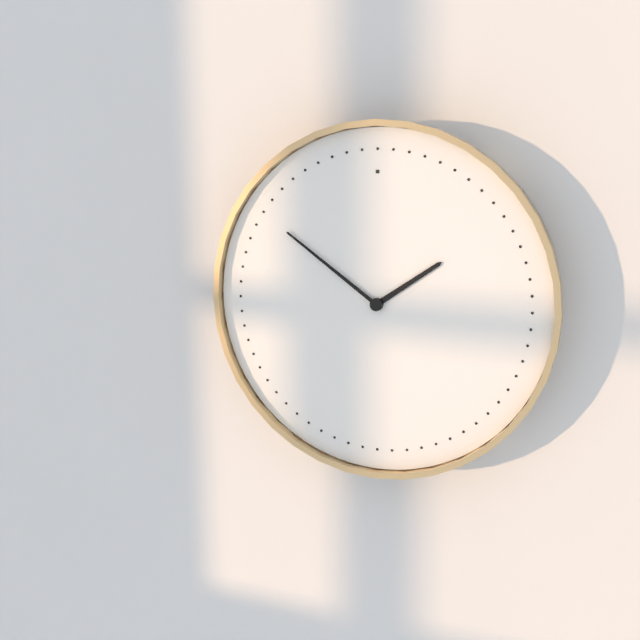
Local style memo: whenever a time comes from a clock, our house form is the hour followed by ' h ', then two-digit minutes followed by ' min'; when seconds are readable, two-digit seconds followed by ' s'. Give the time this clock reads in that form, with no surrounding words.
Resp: 1 h 51 min
